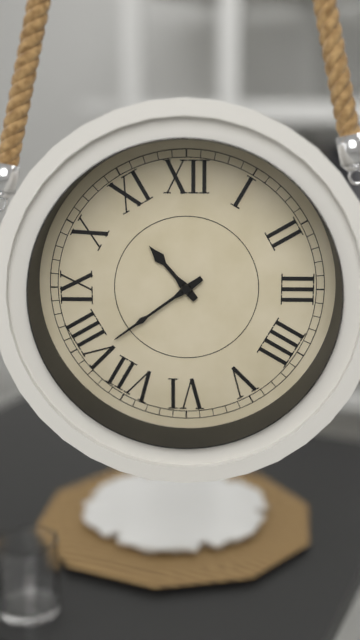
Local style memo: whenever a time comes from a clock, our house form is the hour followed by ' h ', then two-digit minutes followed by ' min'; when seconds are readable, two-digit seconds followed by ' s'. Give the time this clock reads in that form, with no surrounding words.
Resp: 10 h 39 min
